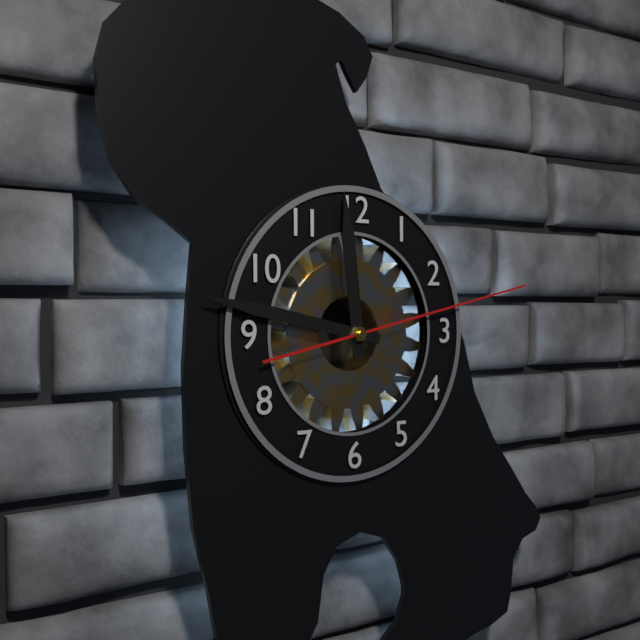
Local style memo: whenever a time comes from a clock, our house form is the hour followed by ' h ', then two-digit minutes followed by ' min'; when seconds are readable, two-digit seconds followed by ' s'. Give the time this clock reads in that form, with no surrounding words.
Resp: 11 h 47 min 13 s
